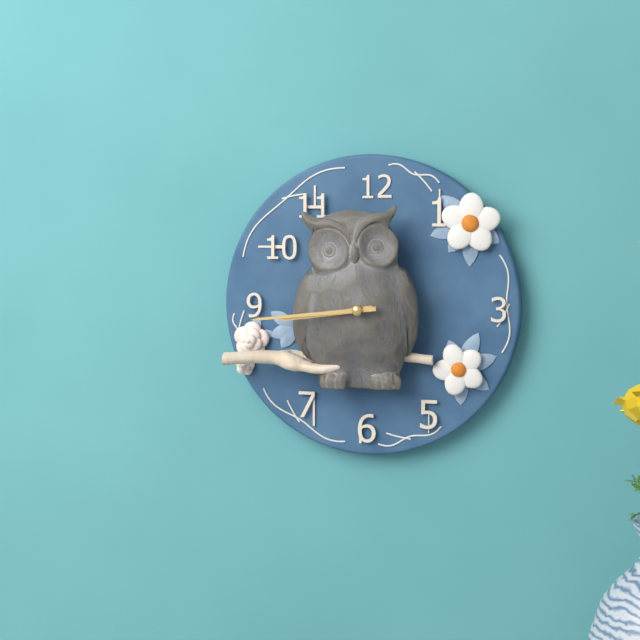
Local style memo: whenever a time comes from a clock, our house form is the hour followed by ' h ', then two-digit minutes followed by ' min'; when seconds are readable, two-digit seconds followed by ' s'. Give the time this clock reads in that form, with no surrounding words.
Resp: 8 h 44 min
